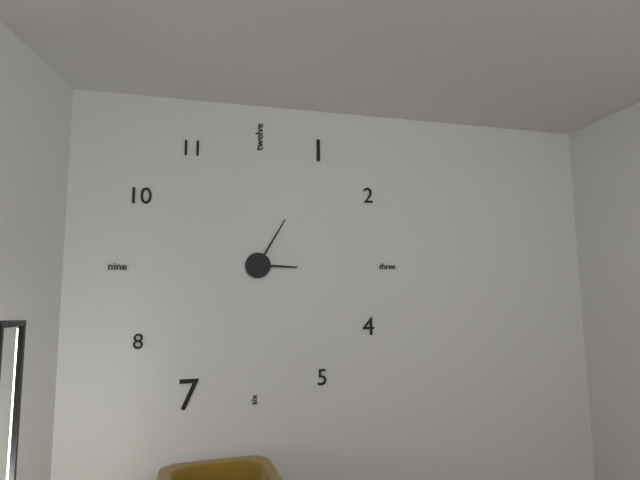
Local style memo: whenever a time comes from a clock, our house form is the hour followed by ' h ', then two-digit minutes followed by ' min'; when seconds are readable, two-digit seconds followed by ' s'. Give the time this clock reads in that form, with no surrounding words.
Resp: 3 h 05 min
